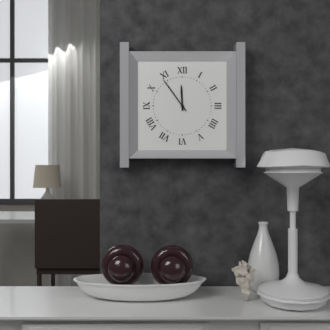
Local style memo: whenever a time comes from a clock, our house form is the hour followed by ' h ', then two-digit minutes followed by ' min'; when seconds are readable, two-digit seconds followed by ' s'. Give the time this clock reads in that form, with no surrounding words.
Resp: 11 h 54 min
